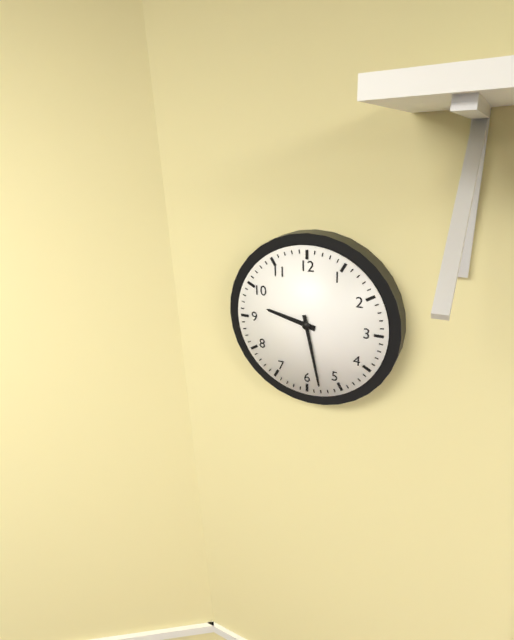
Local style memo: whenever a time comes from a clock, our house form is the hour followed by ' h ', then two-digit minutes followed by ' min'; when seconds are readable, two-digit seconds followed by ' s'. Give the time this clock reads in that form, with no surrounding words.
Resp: 9 h 28 min
